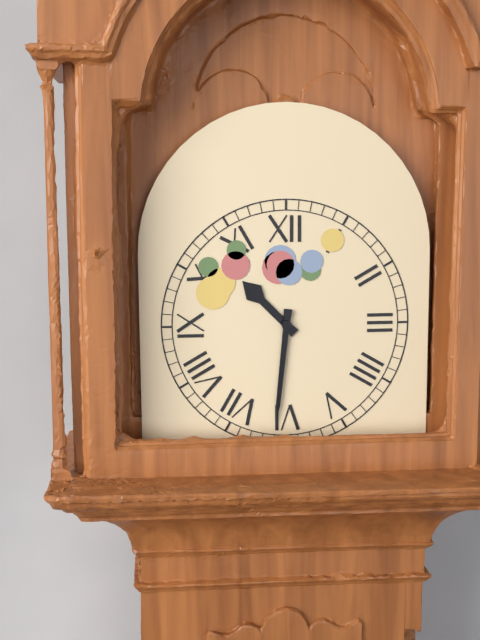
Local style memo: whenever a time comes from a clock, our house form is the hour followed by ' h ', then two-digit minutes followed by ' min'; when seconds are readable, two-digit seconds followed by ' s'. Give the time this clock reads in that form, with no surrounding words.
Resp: 10 h 31 min
